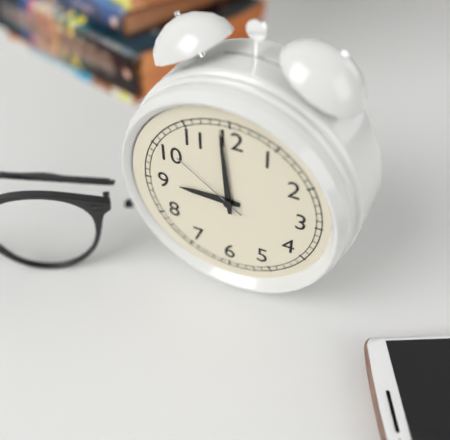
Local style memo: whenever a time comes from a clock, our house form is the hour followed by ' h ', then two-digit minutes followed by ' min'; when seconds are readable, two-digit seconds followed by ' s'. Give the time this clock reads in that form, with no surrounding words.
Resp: 8 h 59 min 51 s
